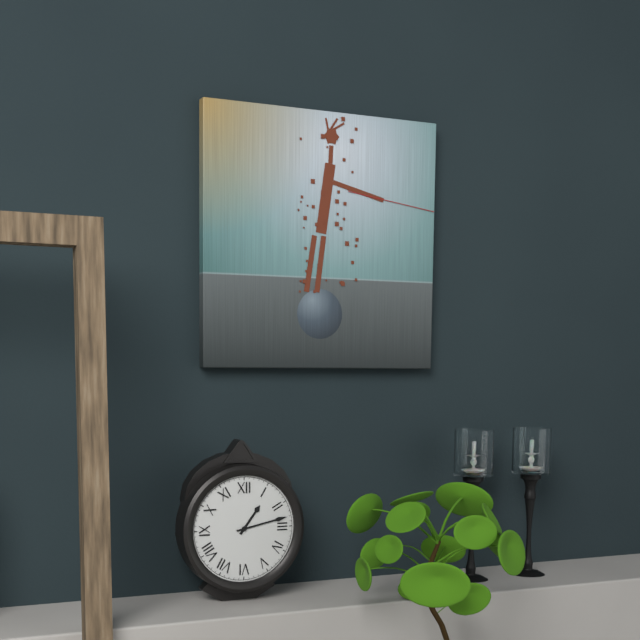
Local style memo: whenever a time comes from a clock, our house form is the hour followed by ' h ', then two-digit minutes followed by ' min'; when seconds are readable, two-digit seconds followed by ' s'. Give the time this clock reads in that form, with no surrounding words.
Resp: 1 h 13 min
